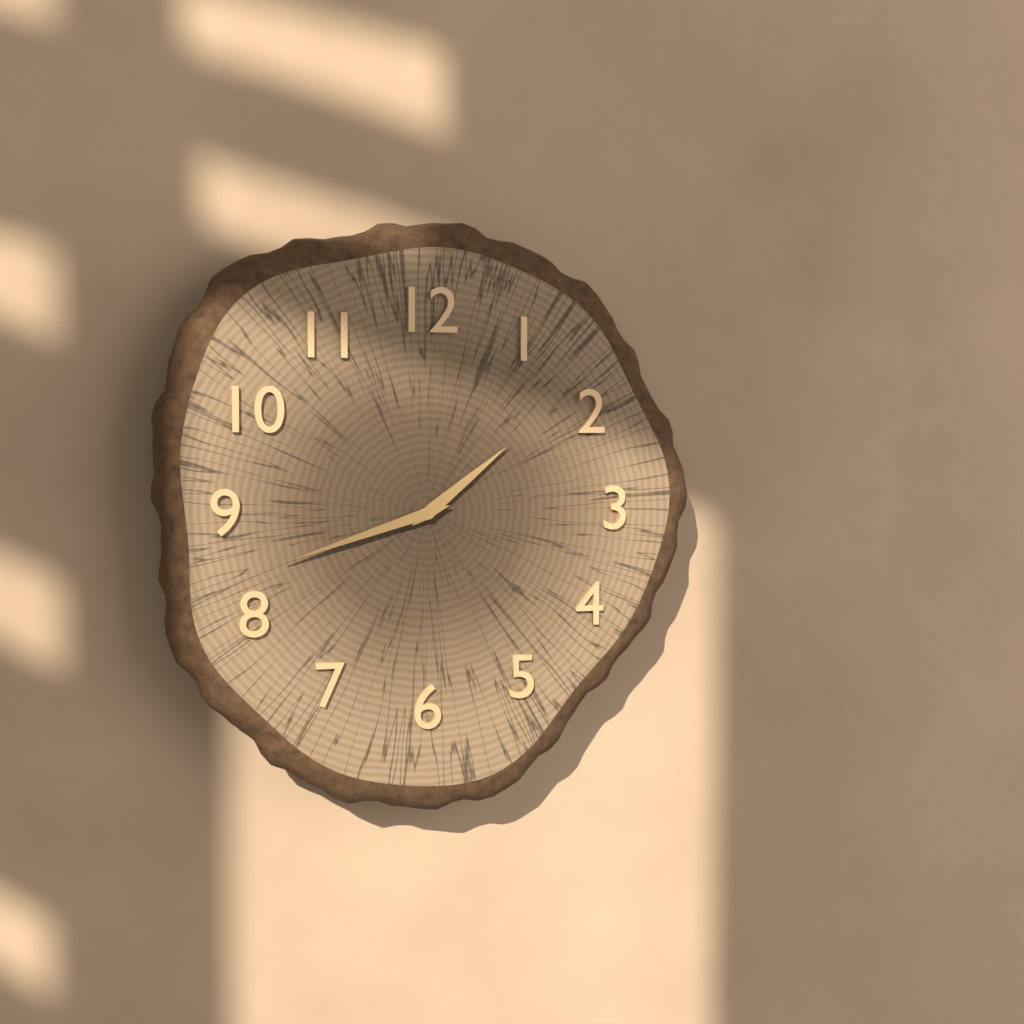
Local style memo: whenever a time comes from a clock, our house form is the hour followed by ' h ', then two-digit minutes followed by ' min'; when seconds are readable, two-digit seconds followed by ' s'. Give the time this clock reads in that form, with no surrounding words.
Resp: 1 h 42 min
